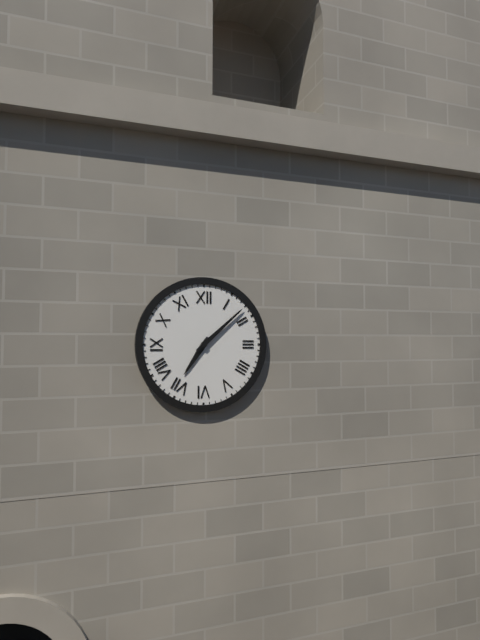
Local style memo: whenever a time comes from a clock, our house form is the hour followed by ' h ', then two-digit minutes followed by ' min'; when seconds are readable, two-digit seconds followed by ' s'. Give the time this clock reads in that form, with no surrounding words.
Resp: 7 h 08 min
